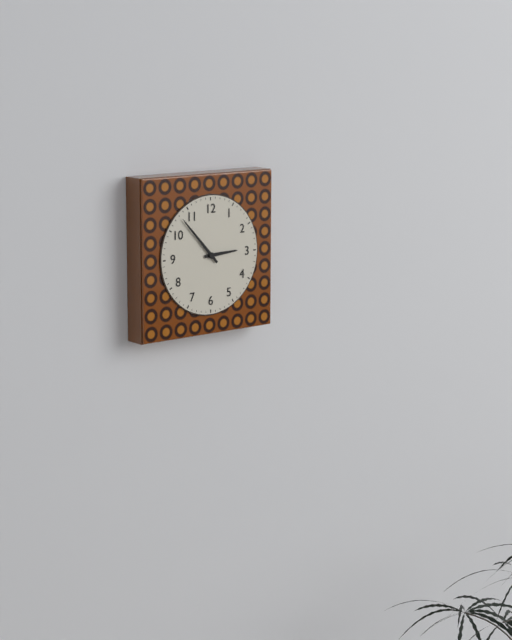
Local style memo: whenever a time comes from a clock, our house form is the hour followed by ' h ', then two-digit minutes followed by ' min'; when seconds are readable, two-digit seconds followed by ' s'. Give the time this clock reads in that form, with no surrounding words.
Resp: 2 h 53 min
